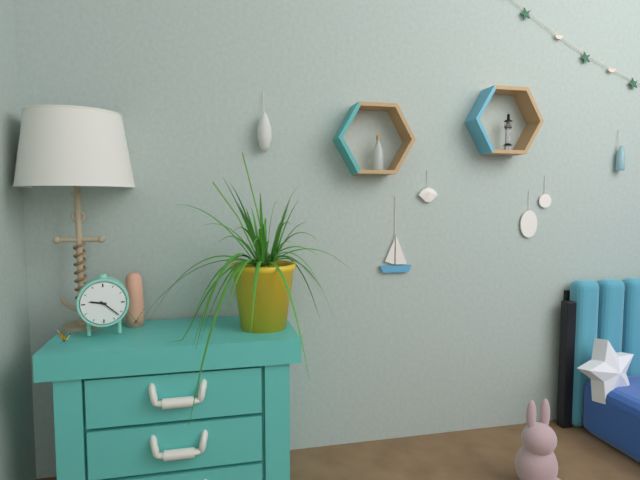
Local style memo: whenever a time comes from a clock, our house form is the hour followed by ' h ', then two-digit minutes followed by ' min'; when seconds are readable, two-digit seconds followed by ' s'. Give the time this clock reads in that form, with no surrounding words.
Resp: 9 h 22 min
